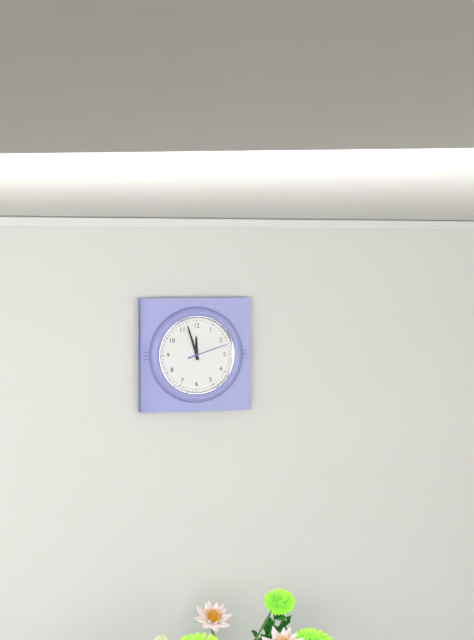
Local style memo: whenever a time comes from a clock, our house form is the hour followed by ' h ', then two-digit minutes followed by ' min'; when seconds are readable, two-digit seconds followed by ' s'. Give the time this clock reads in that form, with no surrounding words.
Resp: 11 h 57 min
